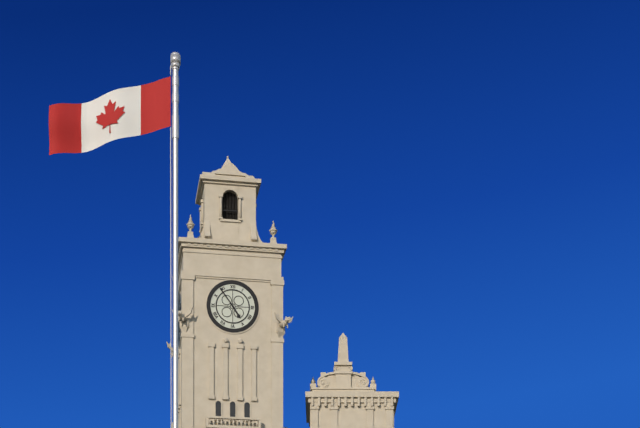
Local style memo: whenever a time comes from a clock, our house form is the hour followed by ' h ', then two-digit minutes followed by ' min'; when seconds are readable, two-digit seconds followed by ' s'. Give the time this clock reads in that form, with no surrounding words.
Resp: 4 h 54 min
